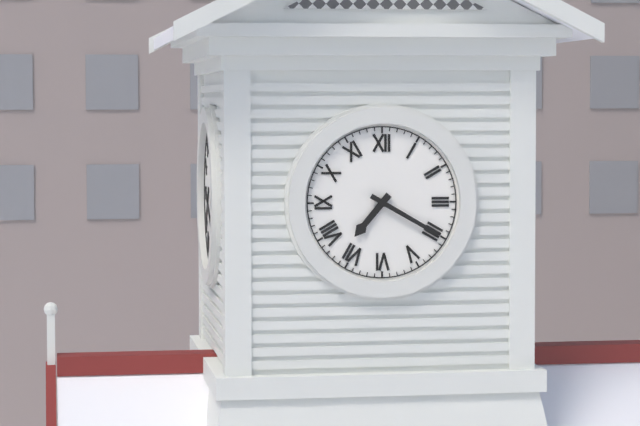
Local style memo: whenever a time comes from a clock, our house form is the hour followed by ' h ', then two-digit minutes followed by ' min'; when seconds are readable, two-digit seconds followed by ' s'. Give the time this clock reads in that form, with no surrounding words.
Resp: 7 h 20 min
